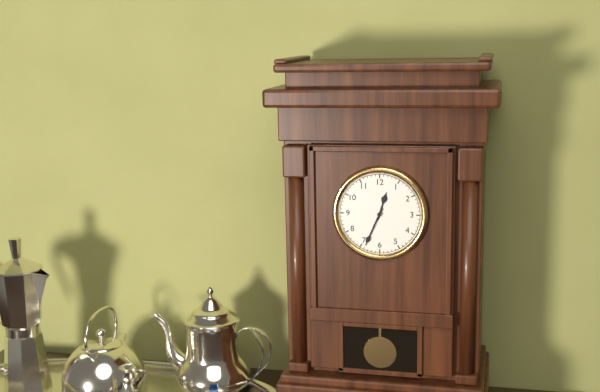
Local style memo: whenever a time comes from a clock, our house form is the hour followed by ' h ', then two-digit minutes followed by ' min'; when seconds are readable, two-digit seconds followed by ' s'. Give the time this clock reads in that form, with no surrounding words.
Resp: 12 h 34 min
